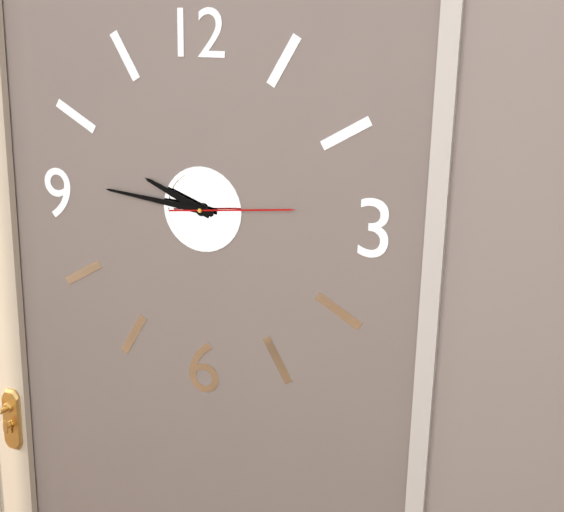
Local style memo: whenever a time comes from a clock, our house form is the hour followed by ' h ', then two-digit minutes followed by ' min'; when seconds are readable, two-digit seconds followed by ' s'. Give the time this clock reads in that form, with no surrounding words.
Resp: 9 h 46 min 14 s
